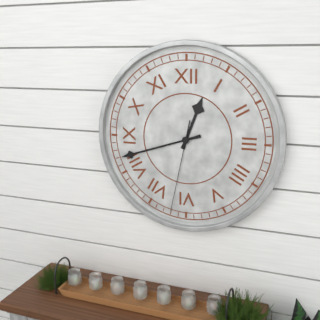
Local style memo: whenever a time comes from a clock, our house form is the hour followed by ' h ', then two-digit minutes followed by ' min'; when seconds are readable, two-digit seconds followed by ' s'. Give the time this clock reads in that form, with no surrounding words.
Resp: 12 h 42 min 32 s
